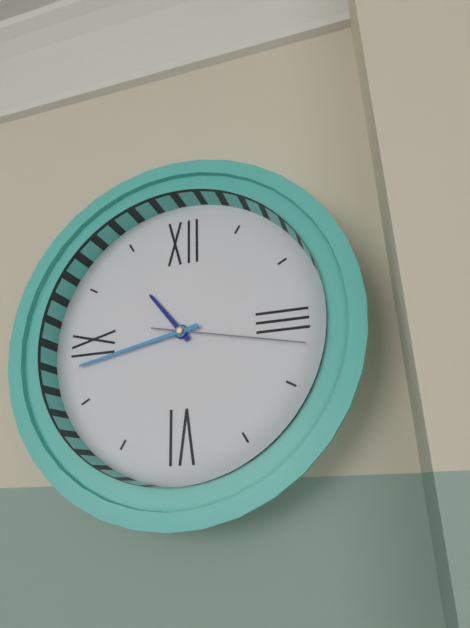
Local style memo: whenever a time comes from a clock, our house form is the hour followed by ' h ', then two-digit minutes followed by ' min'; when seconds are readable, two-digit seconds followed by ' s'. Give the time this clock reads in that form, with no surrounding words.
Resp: 10 h 43 min 17 s
